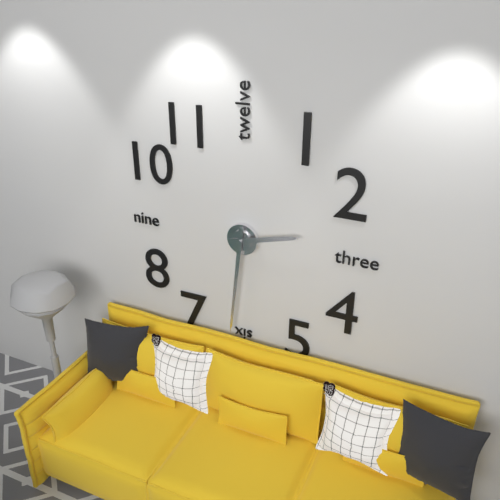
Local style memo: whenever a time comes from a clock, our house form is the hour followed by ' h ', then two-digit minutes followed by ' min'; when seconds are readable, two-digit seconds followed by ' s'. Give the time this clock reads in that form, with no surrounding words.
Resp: 2 h 31 min
